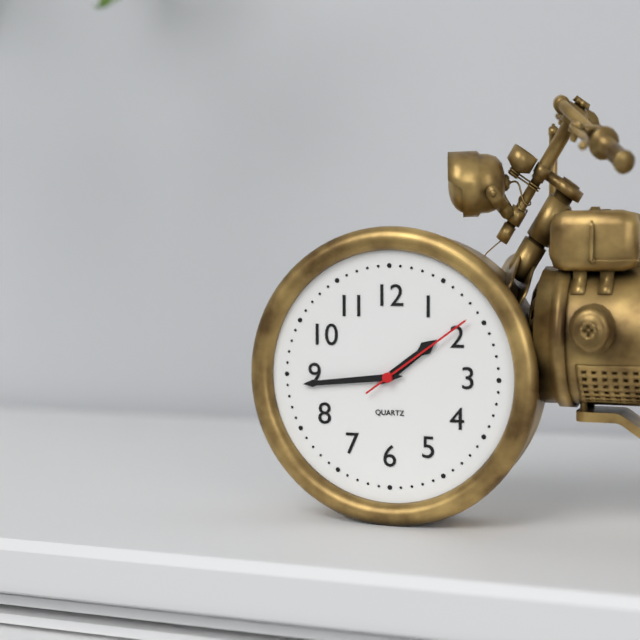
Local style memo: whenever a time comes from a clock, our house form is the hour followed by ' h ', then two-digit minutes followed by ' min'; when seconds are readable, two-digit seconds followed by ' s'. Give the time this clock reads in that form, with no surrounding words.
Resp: 1 h 44 min 09 s
